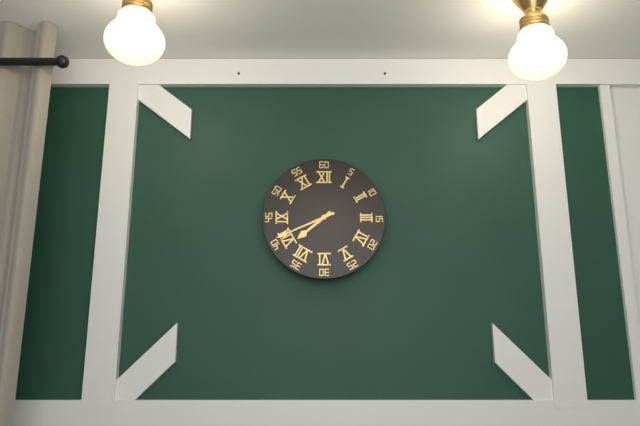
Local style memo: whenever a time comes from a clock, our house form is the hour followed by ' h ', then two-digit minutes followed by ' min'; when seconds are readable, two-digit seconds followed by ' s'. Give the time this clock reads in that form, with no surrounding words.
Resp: 7 h 41 min
